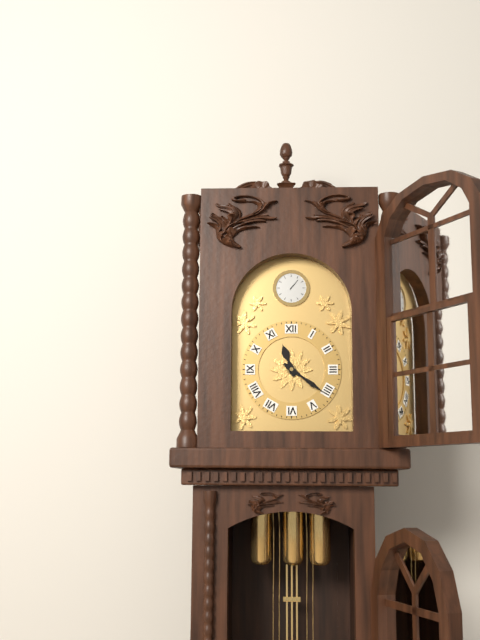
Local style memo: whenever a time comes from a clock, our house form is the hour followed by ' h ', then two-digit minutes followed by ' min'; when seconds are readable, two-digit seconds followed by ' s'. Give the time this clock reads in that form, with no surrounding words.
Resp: 11 h 21 min
